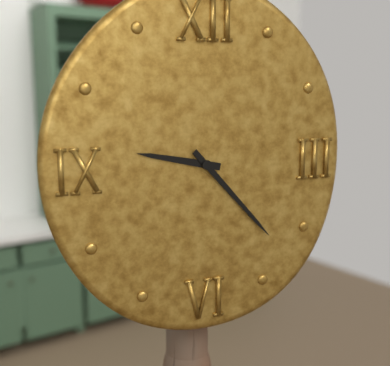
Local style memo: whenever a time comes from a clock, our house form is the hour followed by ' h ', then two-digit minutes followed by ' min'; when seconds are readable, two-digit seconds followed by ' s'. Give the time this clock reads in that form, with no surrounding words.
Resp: 9 h 23 min
